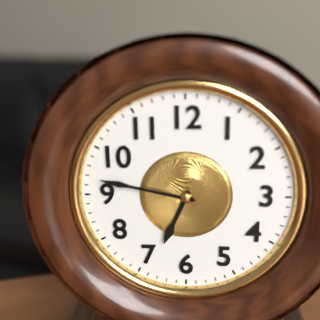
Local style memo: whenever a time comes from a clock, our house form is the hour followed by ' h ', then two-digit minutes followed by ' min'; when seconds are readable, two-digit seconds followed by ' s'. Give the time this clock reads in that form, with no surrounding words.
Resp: 6 h 47 min
